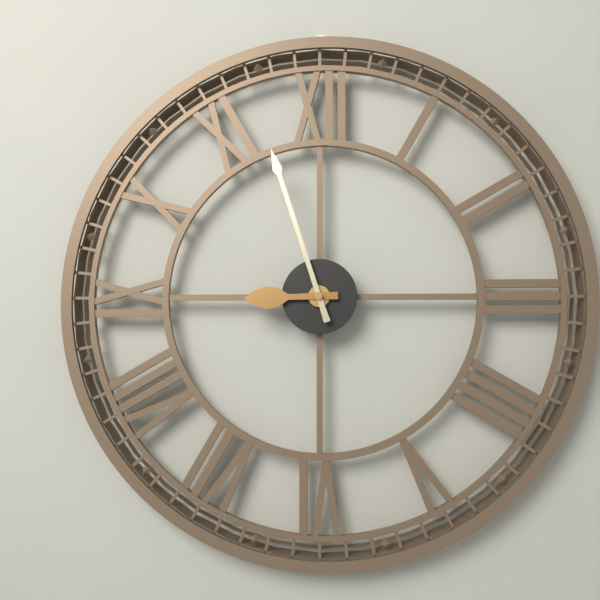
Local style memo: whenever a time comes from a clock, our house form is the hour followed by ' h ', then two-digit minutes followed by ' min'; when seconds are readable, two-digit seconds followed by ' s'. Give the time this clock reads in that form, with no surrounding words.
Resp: 8 h 57 min
